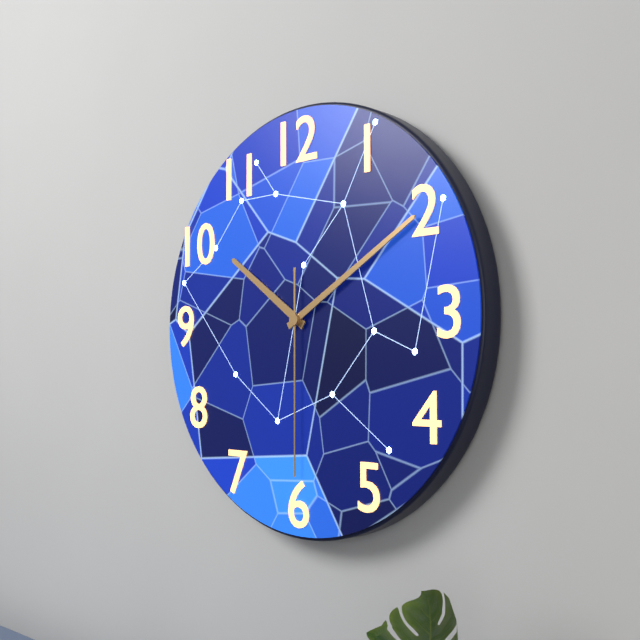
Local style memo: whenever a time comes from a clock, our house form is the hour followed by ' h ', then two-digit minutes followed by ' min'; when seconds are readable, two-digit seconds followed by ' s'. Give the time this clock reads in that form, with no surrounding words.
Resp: 10 h 10 min 30 s
